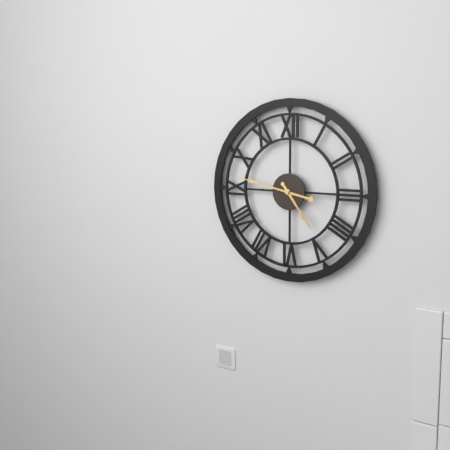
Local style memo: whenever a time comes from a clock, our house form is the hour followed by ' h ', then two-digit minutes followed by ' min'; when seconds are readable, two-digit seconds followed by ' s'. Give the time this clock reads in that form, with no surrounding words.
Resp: 4 h 47 min
